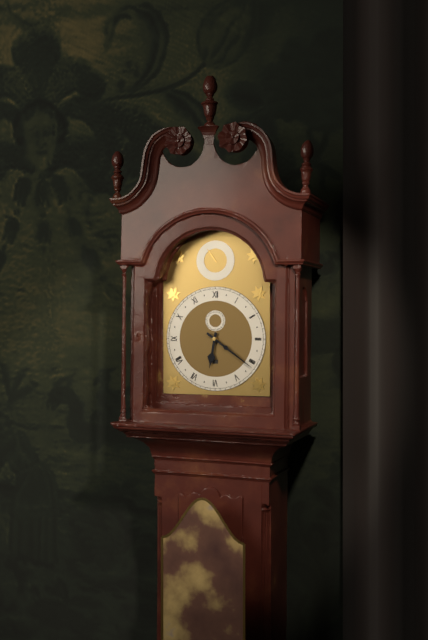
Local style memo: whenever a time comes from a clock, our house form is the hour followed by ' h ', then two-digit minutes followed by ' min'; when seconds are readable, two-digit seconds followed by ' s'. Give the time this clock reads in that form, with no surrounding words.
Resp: 6 h 21 min
